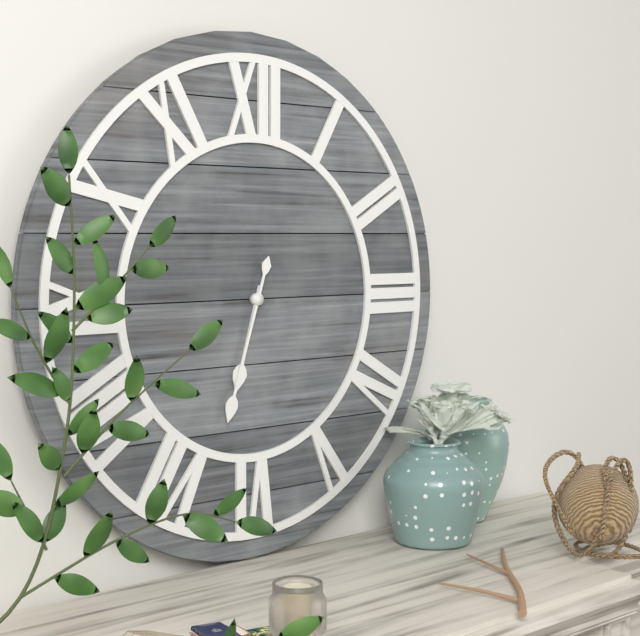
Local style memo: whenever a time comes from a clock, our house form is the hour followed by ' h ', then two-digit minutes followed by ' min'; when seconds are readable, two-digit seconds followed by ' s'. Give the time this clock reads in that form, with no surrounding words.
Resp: 6 h 33 min
